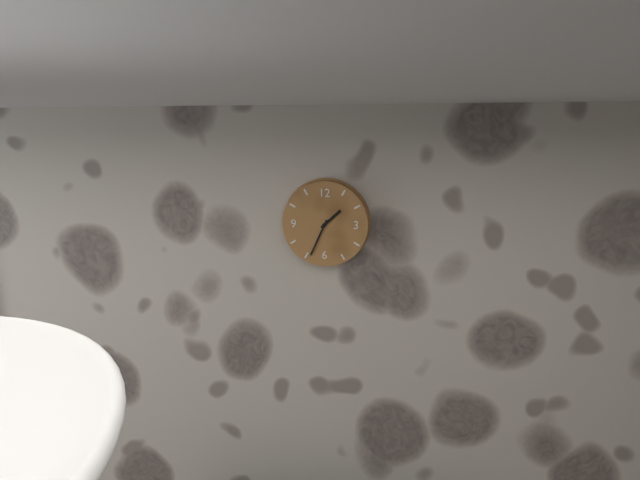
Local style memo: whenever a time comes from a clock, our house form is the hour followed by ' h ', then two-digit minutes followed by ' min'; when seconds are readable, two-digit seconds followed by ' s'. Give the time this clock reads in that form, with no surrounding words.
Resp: 1 h 34 min
